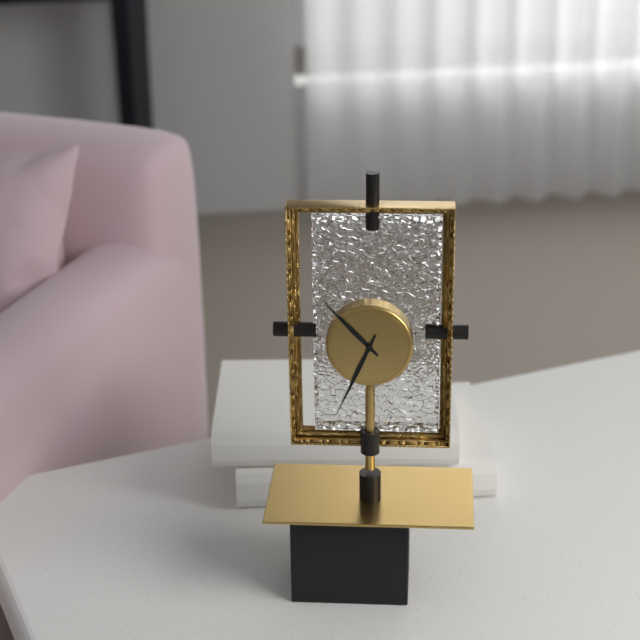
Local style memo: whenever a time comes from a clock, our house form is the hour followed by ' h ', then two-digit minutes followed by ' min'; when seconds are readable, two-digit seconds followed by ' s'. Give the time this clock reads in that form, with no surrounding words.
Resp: 10 h 34 min
